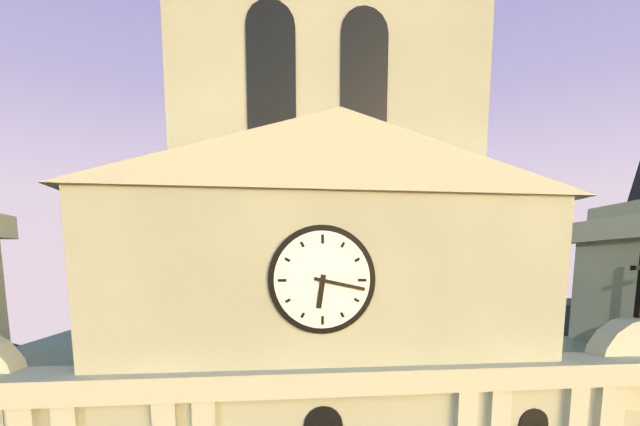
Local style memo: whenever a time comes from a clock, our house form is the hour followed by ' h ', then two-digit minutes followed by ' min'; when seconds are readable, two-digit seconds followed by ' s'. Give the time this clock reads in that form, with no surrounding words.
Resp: 6 h 17 min
